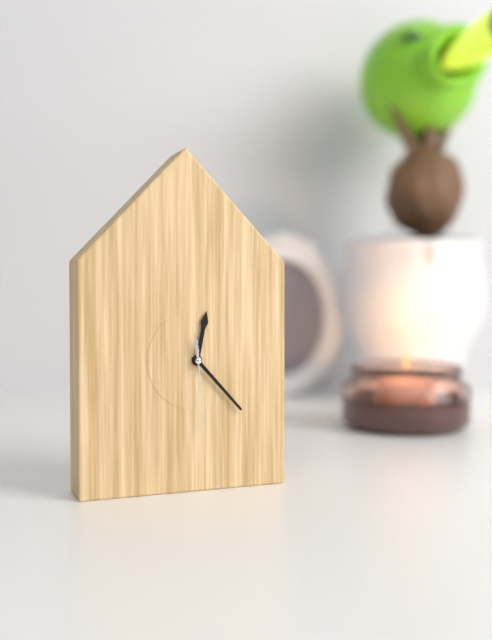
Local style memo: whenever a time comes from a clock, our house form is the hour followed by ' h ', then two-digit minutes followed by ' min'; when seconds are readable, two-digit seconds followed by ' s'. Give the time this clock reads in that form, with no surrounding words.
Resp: 12 h 23 min 29 s
